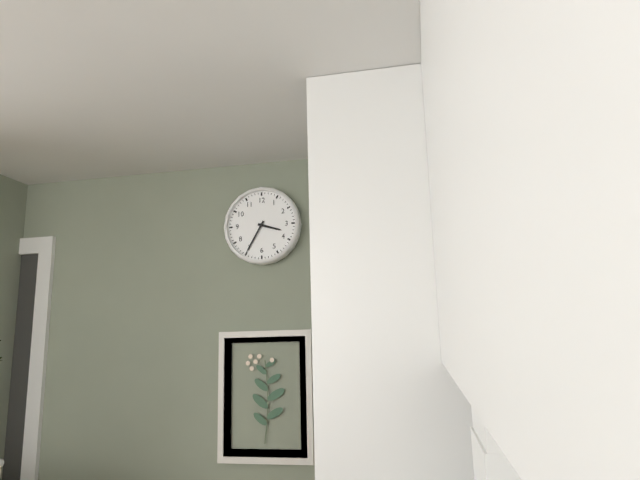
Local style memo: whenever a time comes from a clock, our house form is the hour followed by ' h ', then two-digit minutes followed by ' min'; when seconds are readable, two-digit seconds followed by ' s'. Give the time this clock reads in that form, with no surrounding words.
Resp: 3 h 35 min
